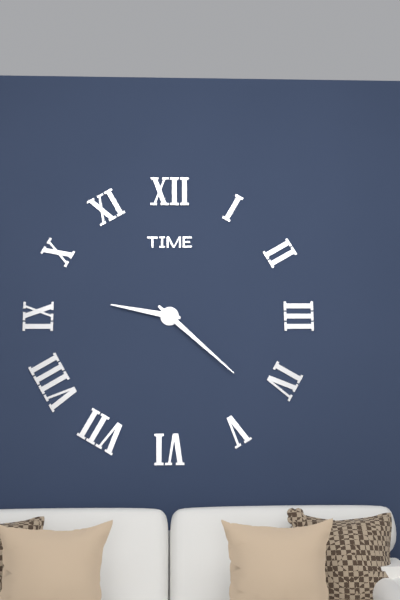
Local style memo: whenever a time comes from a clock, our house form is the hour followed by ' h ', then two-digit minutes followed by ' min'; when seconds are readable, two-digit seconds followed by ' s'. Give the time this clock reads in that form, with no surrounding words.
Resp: 9 h 22 min
